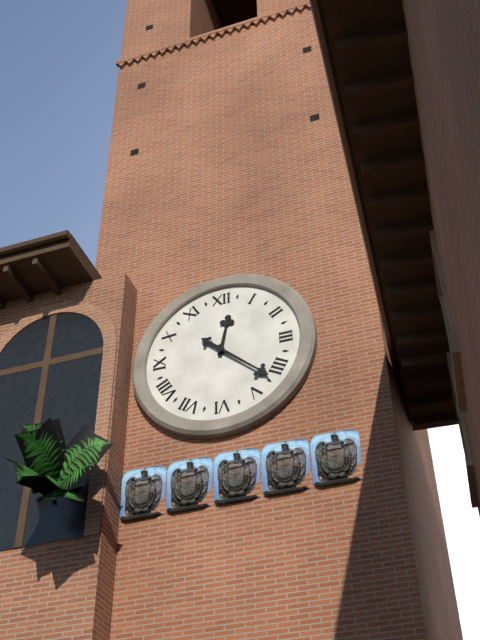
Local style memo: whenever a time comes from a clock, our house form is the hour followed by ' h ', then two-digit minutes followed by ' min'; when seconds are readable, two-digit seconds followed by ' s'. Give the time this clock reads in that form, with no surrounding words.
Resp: 12 h 22 min
